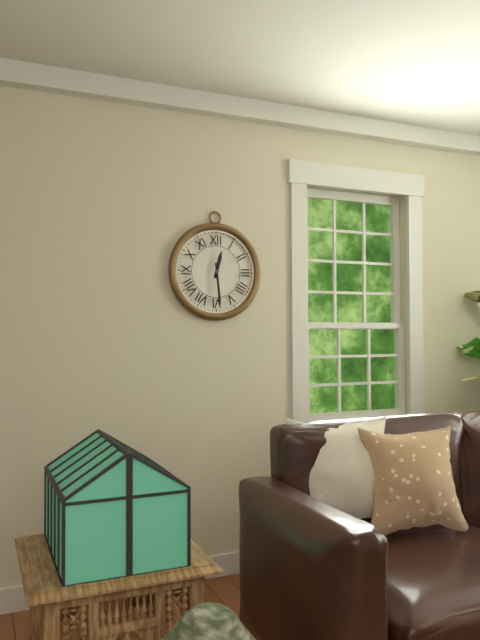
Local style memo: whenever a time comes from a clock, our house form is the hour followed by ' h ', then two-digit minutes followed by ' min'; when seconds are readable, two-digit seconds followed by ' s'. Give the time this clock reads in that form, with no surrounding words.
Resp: 12 h 29 min
